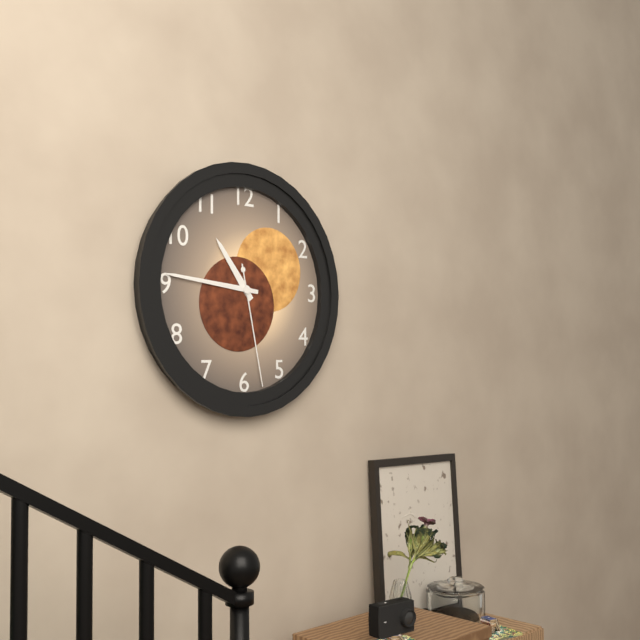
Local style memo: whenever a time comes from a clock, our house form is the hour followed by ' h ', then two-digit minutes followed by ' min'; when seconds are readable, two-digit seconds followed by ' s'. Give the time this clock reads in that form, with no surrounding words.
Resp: 10 h 46 min 28 s
